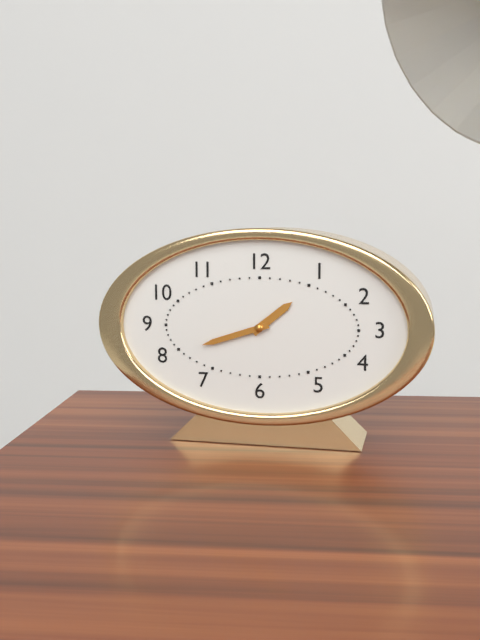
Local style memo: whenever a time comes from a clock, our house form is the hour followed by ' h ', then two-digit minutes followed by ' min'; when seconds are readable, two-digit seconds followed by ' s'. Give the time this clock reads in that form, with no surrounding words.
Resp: 1 h 42 min
